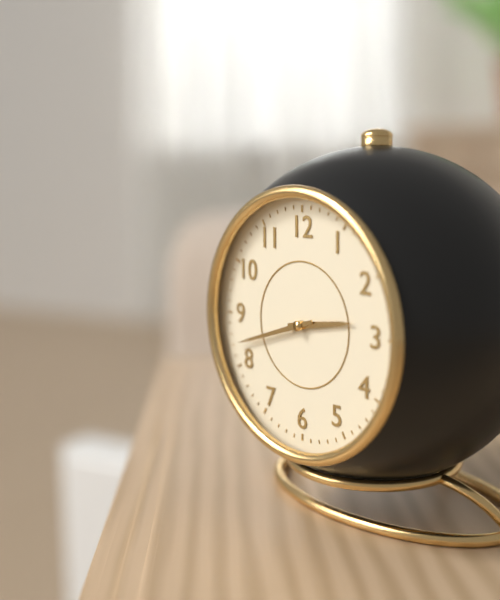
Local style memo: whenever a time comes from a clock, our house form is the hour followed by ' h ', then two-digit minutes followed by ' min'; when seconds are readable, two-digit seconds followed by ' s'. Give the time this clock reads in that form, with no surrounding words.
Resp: 2 h 42 min
